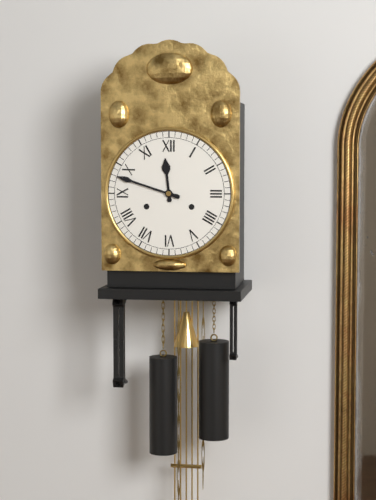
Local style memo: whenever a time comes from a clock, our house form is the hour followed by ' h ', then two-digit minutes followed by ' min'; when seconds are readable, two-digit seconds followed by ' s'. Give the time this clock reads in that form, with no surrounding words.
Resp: 11 h 48 min
